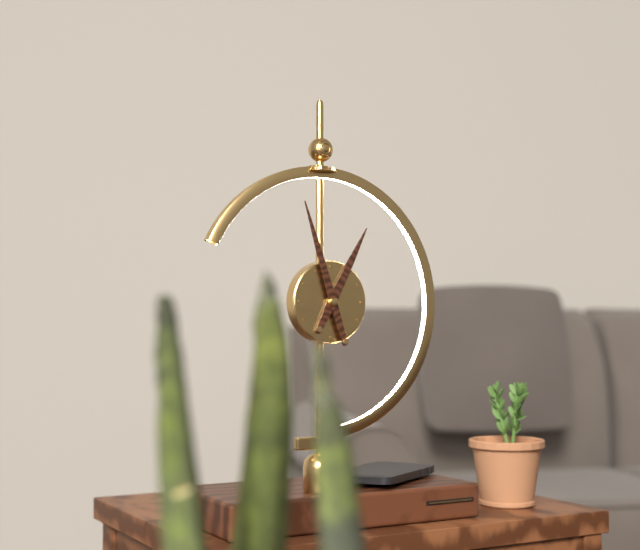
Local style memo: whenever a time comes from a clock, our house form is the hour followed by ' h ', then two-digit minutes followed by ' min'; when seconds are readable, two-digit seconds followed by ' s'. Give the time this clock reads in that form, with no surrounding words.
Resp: 12 h 57 min
